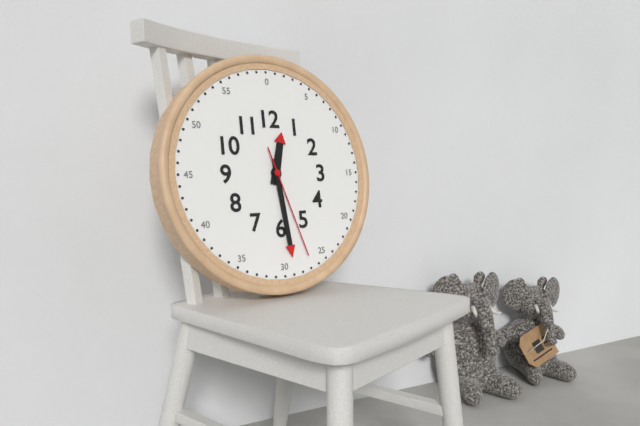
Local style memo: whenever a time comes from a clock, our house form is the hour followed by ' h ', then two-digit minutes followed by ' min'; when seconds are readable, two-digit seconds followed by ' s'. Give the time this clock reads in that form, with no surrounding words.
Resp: 12 h 29 min 27 s
